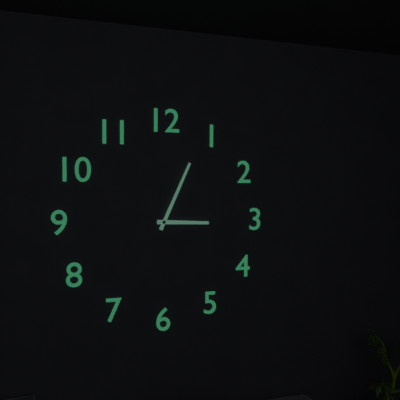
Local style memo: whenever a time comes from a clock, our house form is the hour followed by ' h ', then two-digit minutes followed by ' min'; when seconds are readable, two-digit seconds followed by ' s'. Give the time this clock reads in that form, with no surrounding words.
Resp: 3 h 04 min
